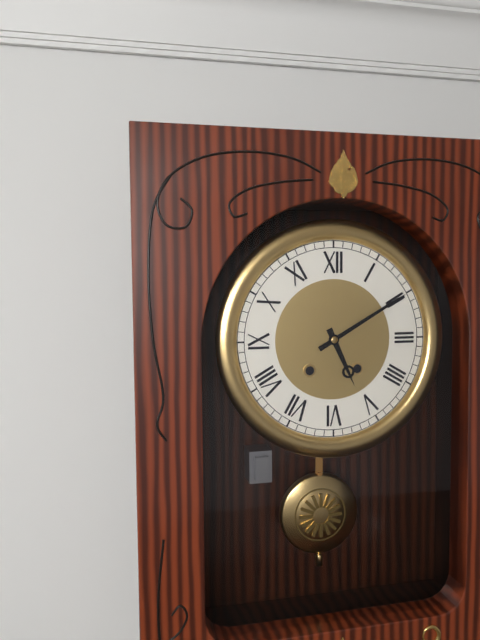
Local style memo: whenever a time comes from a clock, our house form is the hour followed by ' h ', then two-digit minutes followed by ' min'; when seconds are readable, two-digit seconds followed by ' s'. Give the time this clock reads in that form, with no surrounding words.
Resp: 5 h 10 min
